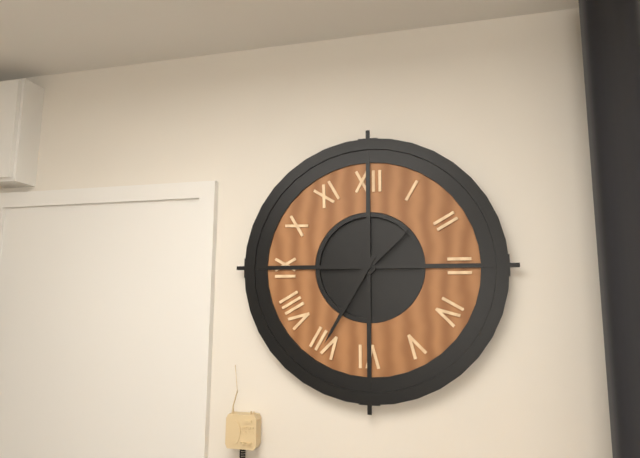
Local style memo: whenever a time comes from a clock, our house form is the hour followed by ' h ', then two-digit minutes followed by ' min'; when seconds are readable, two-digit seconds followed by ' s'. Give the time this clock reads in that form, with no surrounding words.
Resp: 1 h 35 min
